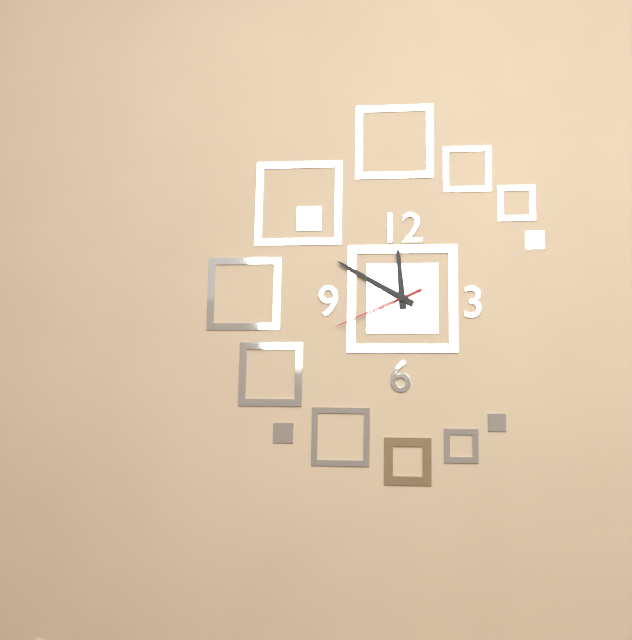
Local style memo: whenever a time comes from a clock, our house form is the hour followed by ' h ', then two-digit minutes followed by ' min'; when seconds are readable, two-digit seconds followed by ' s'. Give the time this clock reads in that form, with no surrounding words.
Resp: 11 h 50 min 41 s
